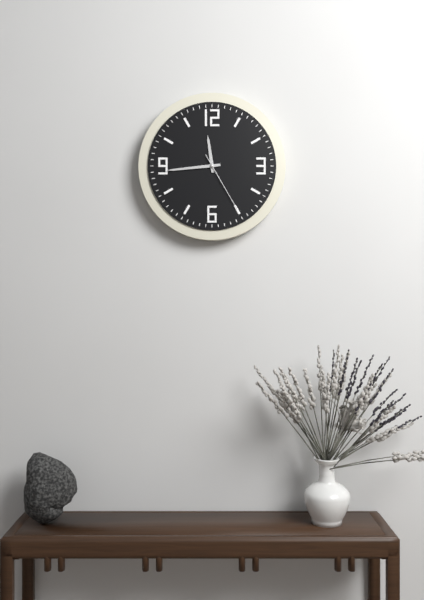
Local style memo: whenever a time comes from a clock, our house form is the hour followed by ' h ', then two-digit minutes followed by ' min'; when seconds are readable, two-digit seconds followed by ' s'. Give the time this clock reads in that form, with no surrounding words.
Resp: 11 h 44 min 25 s
